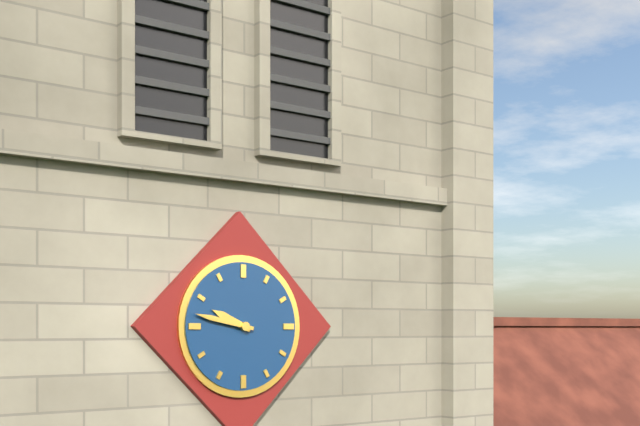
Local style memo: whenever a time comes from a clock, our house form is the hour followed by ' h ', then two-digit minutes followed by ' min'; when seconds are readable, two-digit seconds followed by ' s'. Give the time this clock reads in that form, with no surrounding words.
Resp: 9 h 47 min
